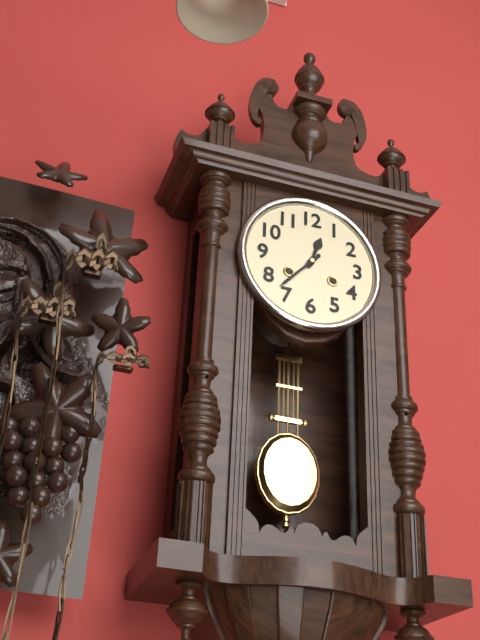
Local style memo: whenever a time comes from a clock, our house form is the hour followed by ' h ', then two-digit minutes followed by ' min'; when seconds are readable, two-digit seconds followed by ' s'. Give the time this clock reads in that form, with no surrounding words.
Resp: 12 h 37 min
